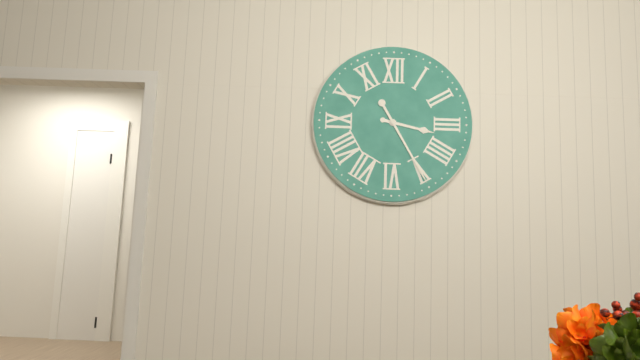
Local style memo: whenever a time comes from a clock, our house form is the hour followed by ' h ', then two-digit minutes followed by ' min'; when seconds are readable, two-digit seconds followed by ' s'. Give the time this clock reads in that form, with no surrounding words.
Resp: 3 h 25 min
